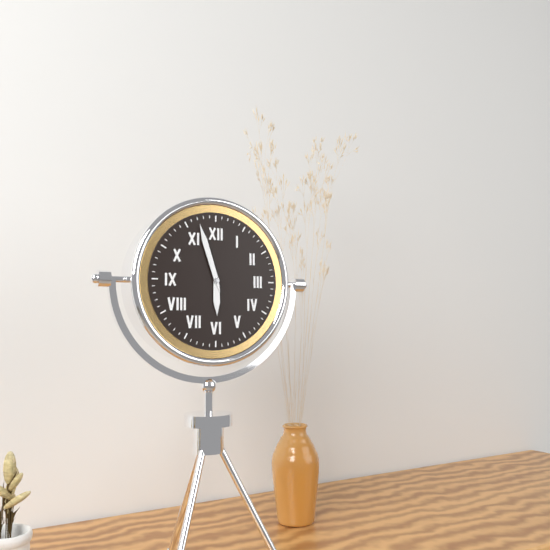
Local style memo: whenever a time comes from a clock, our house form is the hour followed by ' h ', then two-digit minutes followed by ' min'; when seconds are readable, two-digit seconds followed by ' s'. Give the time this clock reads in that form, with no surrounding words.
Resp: 5 h 57 min
